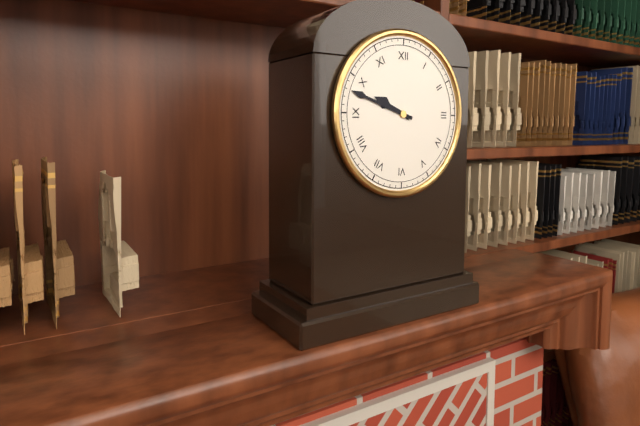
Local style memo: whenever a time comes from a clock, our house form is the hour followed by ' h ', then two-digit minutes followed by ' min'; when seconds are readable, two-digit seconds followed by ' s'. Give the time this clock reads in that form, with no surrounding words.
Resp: 9 h 48 min
